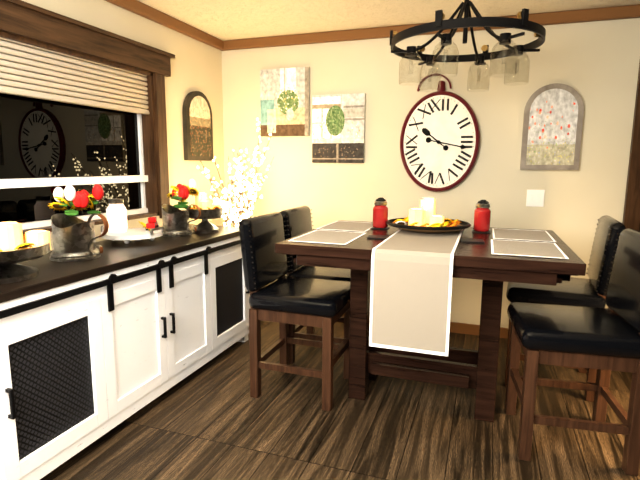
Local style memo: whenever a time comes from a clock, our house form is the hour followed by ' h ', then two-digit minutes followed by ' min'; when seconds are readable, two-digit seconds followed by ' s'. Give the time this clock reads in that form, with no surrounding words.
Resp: 10 h 17 min
